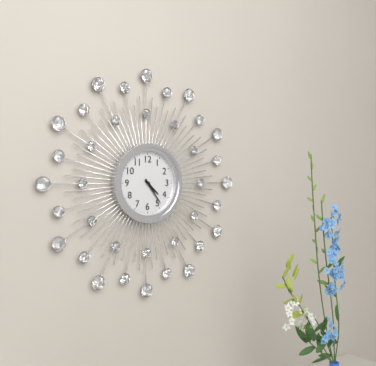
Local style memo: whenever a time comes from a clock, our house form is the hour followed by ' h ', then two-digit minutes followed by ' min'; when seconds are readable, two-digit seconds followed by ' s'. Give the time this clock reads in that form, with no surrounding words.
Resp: 4 h 24 min
